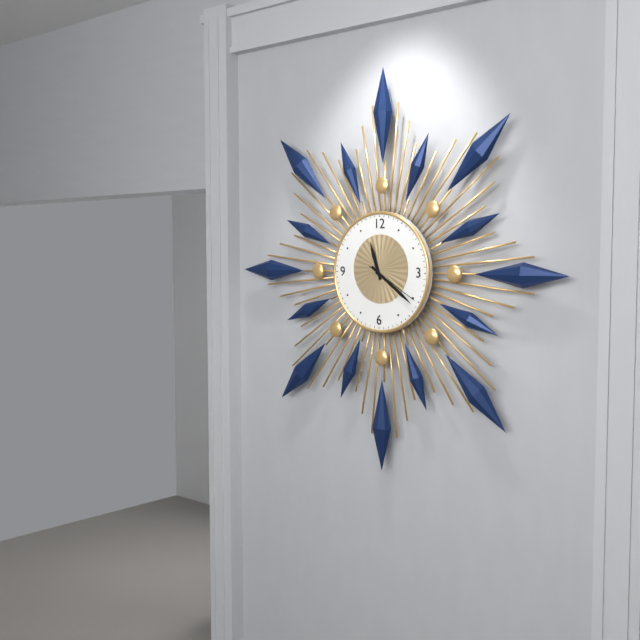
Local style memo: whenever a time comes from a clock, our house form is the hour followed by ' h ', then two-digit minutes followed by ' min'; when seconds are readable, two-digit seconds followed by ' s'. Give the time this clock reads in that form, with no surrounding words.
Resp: 11 h 21 min
